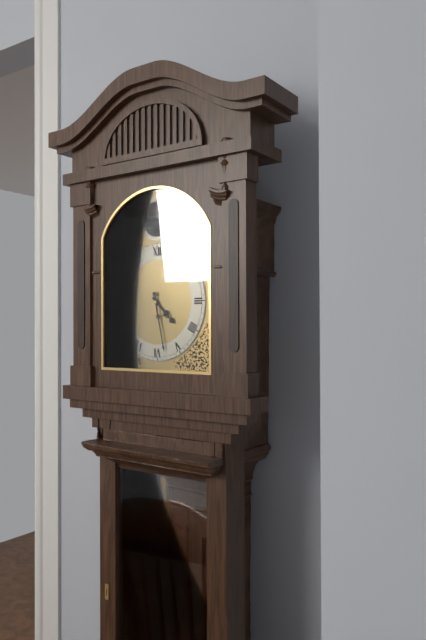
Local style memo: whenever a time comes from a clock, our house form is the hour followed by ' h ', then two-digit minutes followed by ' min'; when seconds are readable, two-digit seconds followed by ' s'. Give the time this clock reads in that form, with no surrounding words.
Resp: 4 h 28 min
